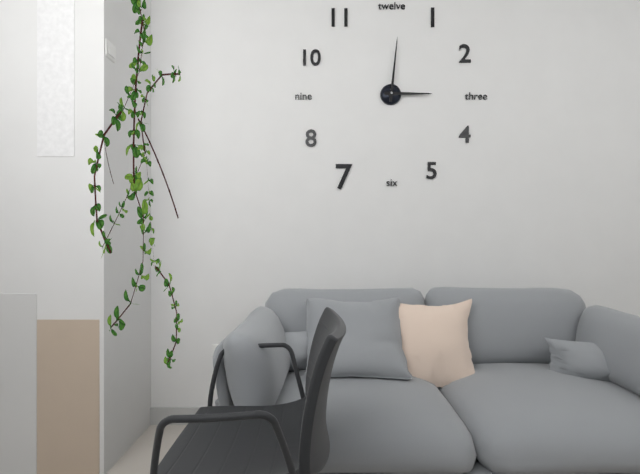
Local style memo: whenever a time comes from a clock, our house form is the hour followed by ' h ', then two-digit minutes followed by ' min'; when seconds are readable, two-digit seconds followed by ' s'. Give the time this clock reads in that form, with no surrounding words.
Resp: 3 h 01 min
